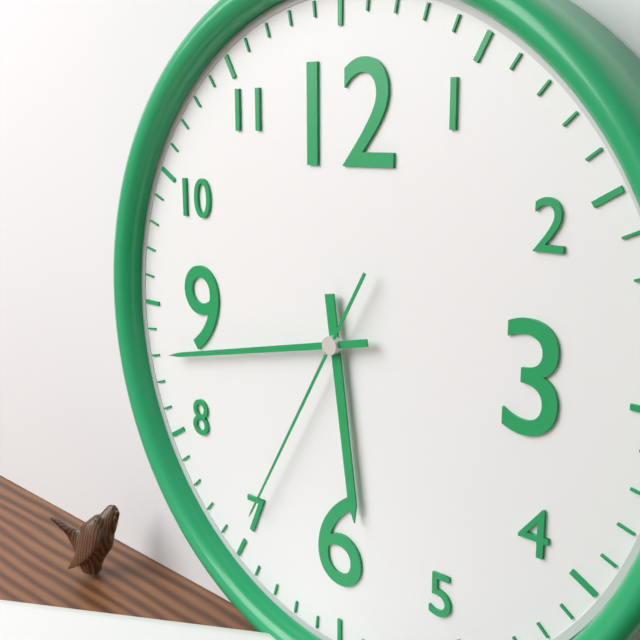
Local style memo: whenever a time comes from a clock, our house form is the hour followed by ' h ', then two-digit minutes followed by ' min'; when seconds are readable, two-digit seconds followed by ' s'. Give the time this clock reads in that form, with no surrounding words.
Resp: 5 h 43 min 35 s
